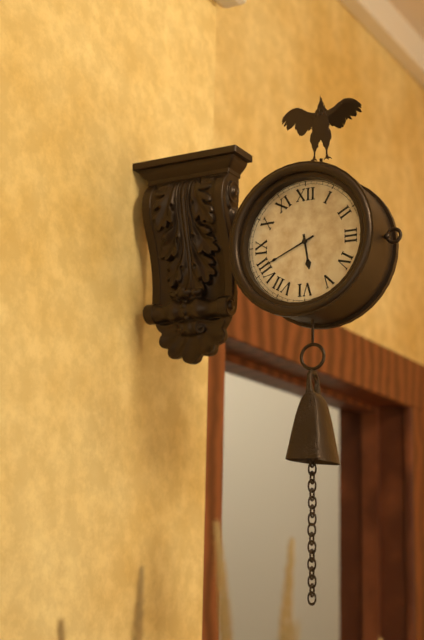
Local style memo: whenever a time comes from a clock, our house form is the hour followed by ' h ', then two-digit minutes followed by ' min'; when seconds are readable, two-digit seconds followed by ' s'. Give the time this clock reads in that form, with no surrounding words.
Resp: 5 h 41 min
